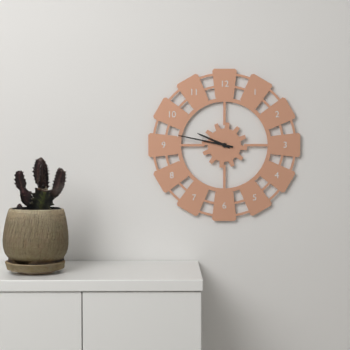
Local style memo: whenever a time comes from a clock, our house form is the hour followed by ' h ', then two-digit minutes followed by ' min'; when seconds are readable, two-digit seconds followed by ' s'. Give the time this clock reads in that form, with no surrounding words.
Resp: 9 h 47 min
